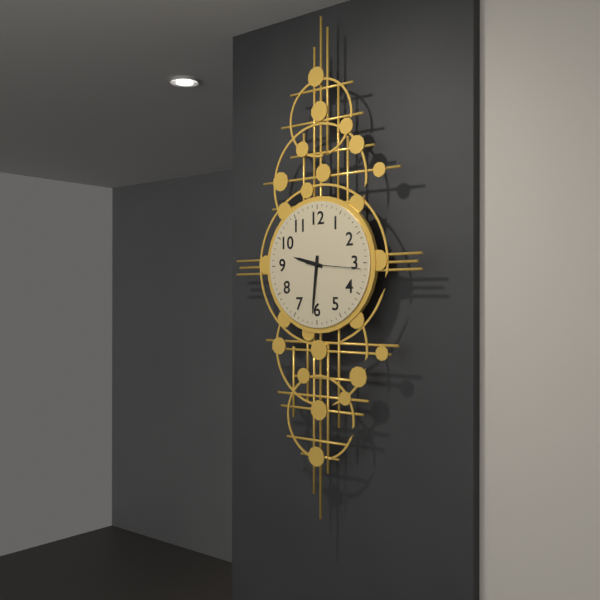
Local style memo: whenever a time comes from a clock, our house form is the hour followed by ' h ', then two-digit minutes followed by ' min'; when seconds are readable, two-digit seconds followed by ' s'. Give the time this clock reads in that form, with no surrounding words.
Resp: 9 h 31 min 16 s
